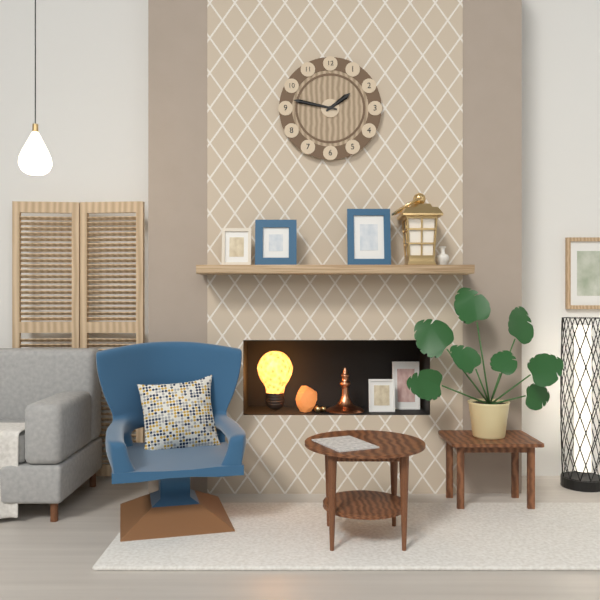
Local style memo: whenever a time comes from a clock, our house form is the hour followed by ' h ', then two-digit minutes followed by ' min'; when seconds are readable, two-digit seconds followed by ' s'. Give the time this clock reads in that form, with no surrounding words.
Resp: 1 h 47 min
